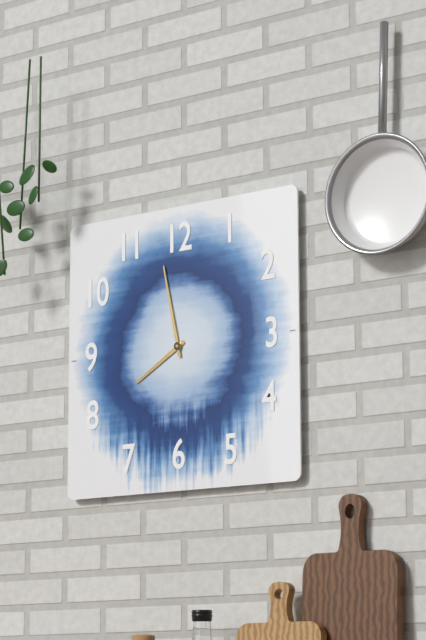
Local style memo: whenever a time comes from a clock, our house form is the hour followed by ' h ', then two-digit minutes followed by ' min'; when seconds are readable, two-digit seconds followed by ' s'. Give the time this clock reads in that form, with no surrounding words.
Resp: 7 h 58 min
